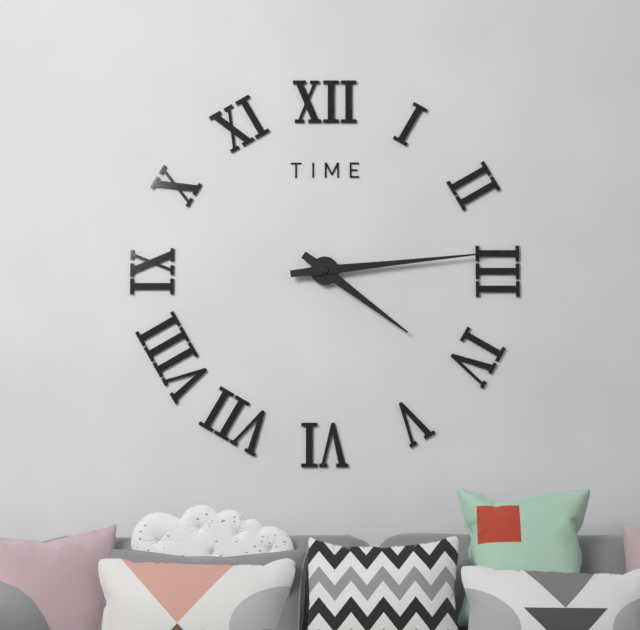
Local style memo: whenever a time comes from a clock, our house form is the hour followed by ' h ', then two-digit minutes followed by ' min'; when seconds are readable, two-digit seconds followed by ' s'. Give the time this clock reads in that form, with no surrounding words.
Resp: 4 h 14 min
